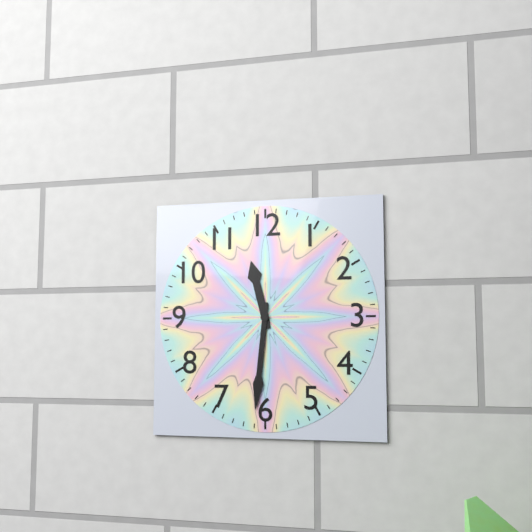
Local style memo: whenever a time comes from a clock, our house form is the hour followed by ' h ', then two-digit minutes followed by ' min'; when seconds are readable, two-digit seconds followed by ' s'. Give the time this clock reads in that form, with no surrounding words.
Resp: 11 h 31 min
